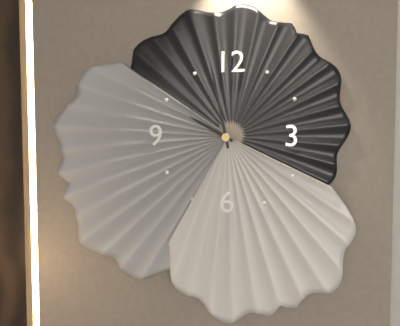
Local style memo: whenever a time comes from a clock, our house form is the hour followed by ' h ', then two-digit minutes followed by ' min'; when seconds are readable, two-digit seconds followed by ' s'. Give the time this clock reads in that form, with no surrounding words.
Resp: 9 h 58 min
